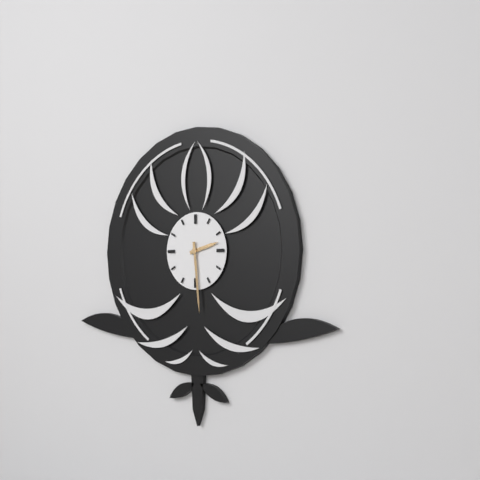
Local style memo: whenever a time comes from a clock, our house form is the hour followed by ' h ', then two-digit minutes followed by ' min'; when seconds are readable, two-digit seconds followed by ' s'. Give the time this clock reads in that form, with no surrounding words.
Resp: 2 h 29 min
